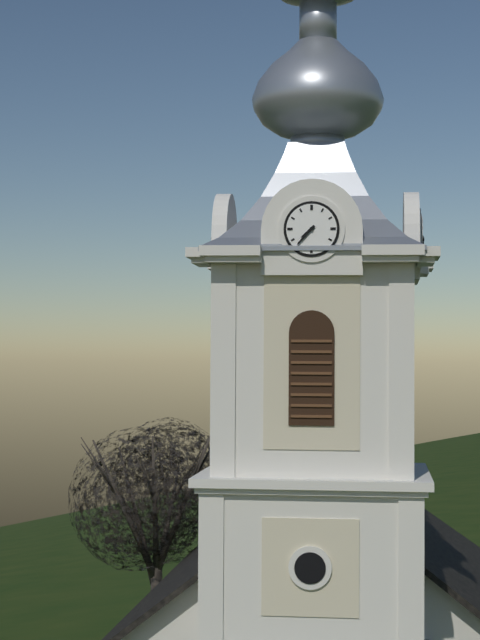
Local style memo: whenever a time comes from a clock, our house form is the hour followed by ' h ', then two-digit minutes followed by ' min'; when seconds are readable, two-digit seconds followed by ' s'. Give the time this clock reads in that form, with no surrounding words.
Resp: 7 h 37 min
